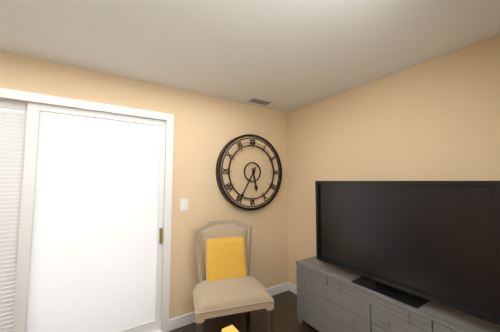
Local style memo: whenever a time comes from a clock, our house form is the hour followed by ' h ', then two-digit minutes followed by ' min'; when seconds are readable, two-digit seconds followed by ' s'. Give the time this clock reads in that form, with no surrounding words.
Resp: 5 h 35 min
